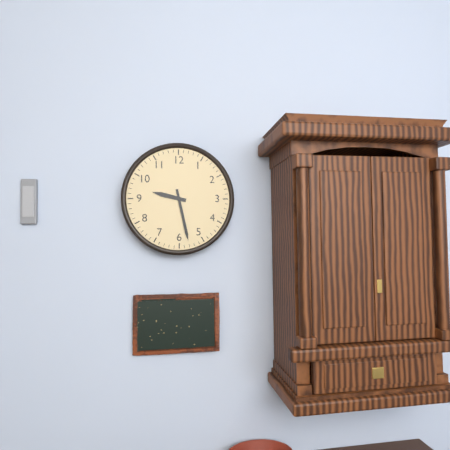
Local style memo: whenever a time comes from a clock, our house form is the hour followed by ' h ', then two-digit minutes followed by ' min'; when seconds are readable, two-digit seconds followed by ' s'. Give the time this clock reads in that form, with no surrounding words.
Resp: 9 h 28 min
